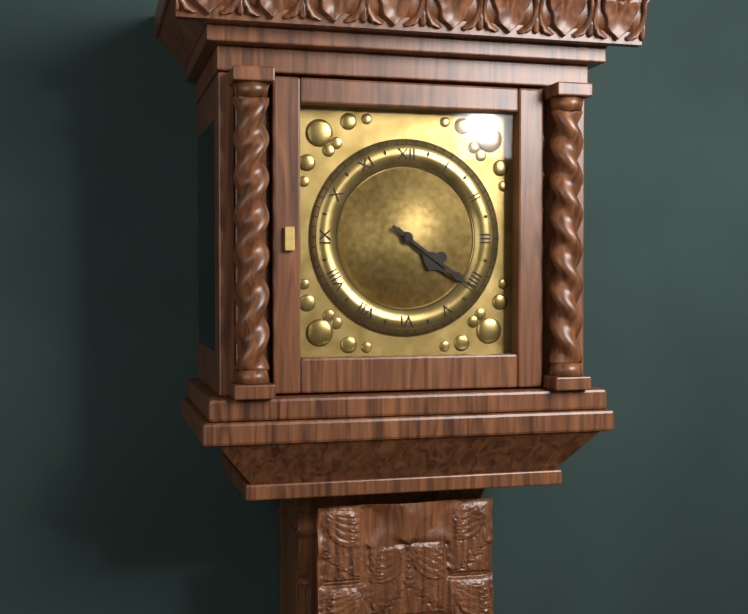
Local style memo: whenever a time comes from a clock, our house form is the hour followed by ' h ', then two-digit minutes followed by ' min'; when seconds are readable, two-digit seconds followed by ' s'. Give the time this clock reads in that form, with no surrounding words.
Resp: 4 h 21 min
